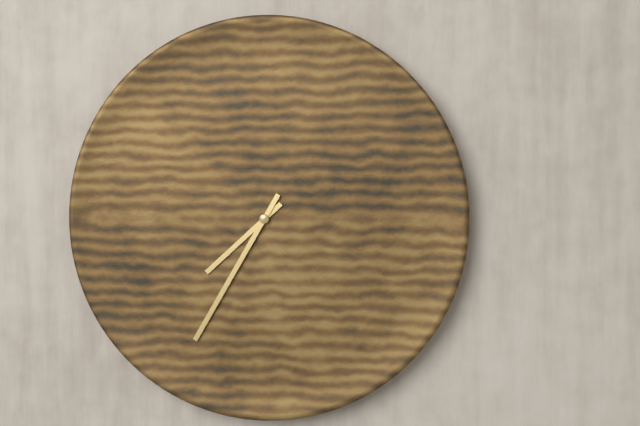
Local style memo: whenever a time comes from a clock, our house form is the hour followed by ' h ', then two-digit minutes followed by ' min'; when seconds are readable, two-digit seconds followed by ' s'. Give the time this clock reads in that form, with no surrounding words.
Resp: 7 h 35 min
